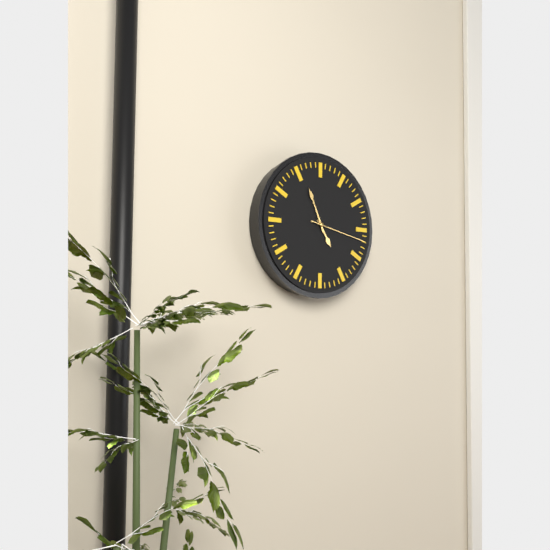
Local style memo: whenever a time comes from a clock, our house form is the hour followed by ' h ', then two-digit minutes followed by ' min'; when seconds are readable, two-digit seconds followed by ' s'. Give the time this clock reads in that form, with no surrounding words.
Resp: 4 h 56 min 17 s
